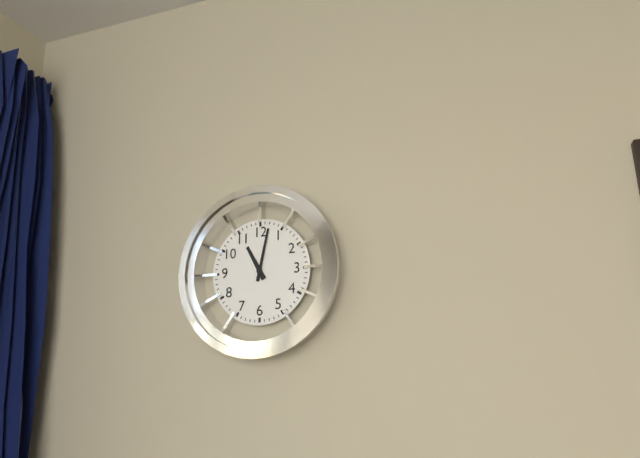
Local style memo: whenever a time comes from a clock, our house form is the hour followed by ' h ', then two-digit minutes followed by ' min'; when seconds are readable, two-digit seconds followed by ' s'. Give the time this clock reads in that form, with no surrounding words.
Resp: 11 h 02 min
